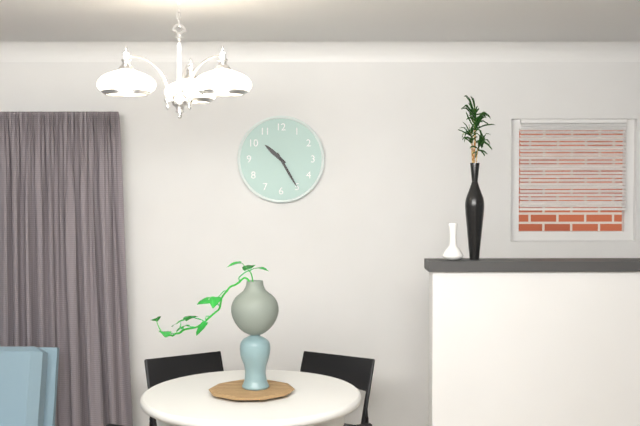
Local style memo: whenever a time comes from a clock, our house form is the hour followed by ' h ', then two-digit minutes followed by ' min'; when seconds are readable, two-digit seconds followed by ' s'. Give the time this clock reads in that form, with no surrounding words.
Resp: 10 h 25 min
